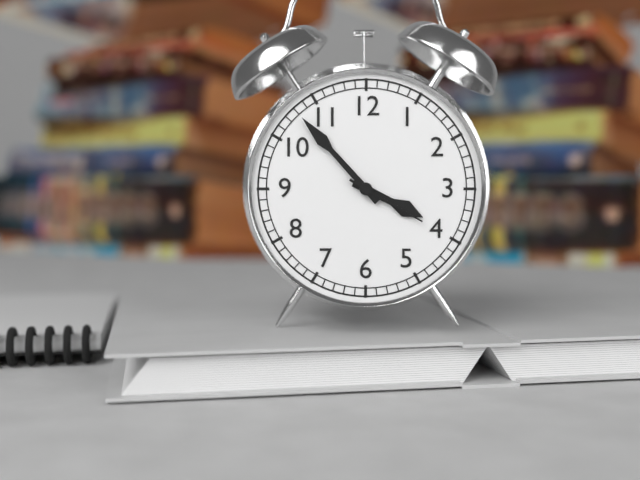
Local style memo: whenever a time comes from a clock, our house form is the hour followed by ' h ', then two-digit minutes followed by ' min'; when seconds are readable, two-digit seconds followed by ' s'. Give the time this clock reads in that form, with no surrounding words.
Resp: 3 h 53 min 20 s
